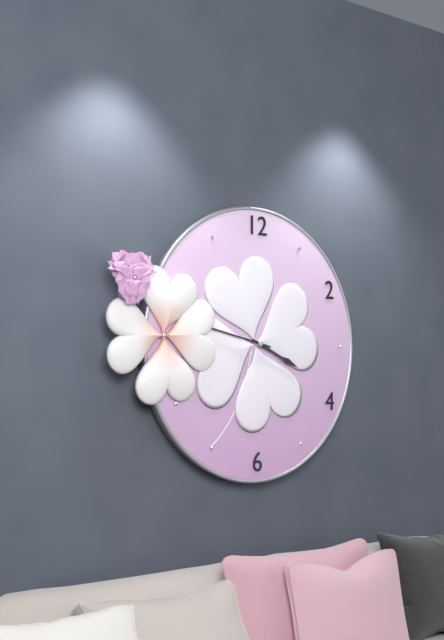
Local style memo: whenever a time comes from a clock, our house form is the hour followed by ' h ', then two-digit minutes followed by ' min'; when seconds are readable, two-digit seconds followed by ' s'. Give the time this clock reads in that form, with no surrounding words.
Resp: 3 h 47 min
